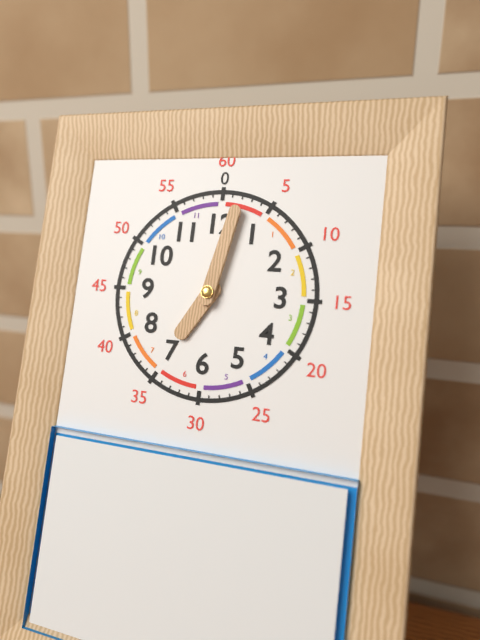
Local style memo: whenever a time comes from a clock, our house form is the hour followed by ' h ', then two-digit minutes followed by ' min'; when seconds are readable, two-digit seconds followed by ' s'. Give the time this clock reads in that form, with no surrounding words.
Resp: 7 h 02 min
